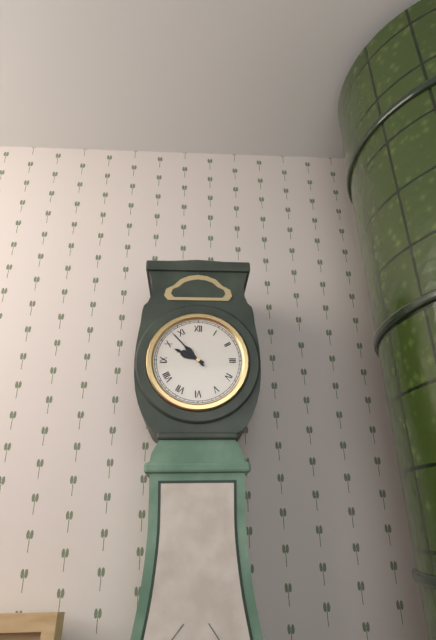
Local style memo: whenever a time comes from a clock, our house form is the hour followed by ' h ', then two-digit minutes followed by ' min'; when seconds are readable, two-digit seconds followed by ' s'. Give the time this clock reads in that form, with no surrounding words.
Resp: 9 h 53 min
